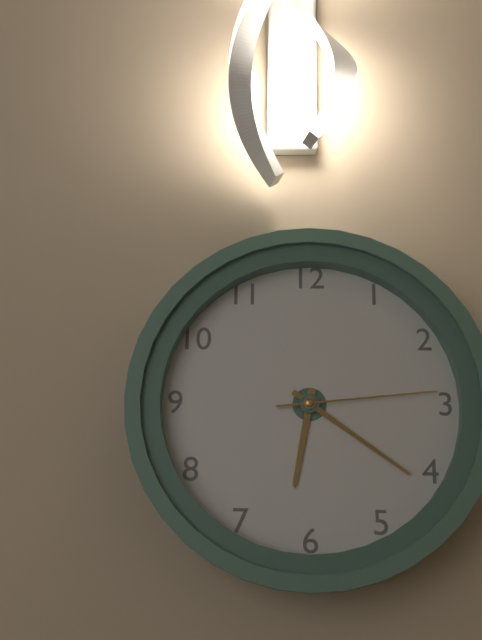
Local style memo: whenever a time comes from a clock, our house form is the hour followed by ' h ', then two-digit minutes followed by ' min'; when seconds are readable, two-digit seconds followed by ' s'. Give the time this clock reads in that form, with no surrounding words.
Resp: 6 h 21 min 14 s
